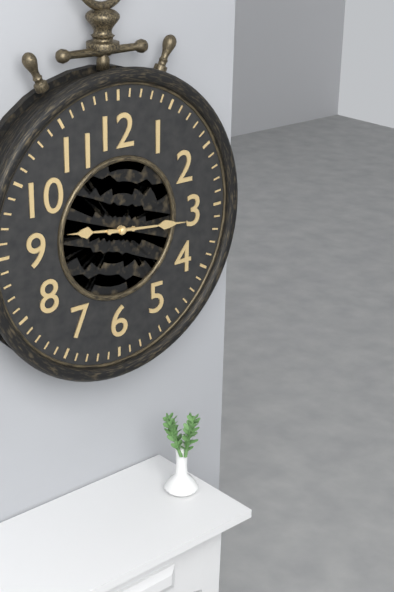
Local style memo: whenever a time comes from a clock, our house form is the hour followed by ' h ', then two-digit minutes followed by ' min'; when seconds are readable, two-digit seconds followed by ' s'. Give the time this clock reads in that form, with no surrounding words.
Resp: 9 h 16 min
